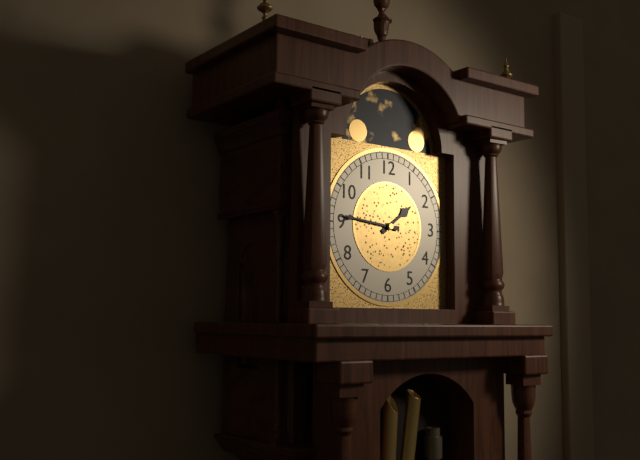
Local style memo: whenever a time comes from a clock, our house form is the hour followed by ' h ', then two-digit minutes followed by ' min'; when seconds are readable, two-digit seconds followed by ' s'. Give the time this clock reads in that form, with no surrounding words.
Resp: 1 h 46 min
